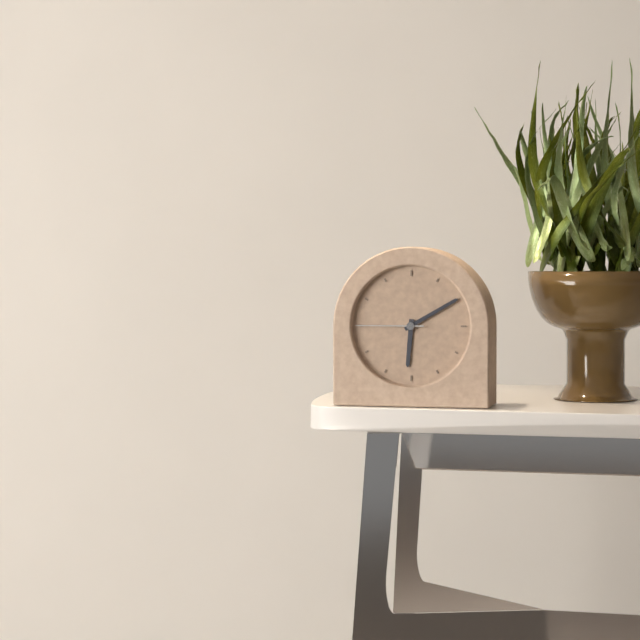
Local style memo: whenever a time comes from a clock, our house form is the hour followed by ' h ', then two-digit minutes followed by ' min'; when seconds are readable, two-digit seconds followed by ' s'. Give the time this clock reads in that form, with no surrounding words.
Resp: 6 h 10 min 45 s
